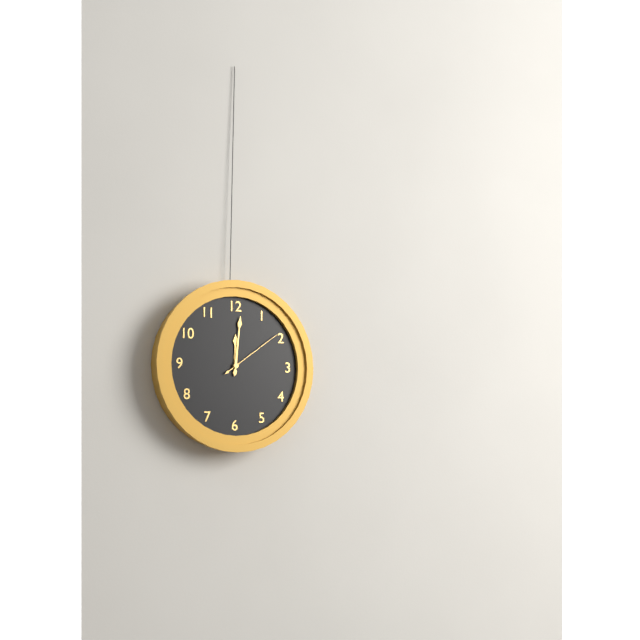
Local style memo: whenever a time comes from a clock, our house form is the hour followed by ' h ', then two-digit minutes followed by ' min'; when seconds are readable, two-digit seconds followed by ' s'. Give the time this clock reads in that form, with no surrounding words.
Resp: 12 h 01 min 09 s
